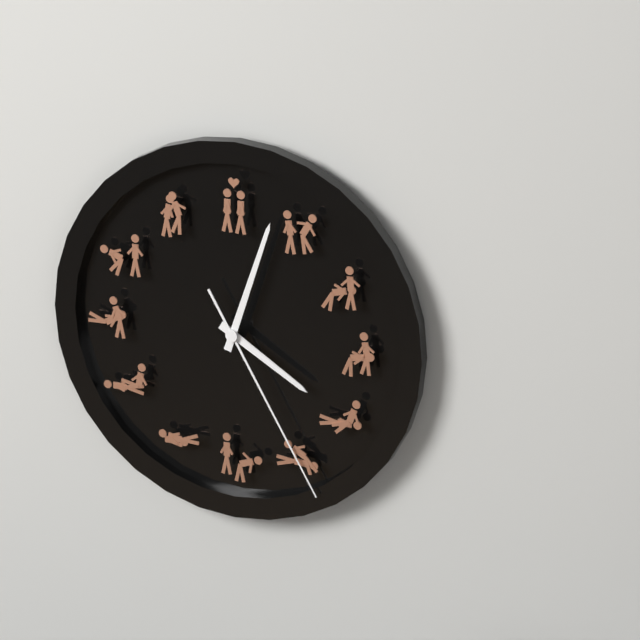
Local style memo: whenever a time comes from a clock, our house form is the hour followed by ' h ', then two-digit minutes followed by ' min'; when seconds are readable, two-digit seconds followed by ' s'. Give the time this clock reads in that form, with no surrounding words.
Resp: 4 h 03 min 25 s
